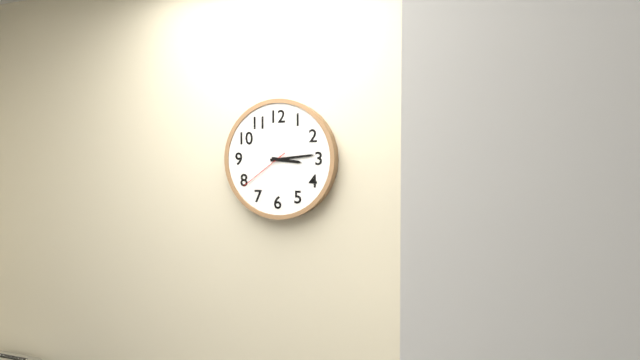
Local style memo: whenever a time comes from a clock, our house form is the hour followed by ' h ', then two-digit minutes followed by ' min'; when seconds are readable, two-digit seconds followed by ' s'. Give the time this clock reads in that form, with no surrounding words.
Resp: 3 h 14 min 39 s
